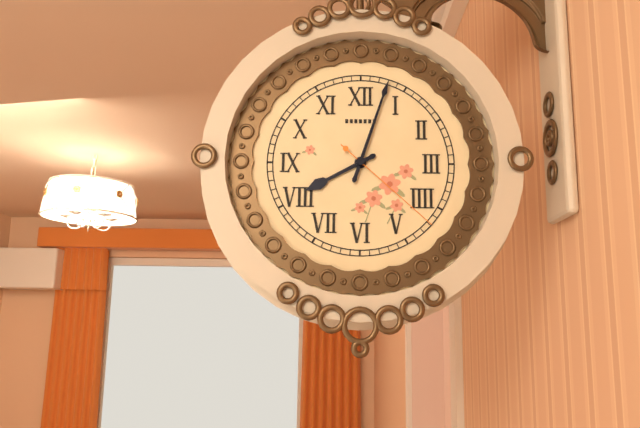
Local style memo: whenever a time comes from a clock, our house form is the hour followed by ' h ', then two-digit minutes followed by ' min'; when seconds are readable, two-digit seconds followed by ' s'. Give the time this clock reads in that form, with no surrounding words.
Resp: 8 h 03 min 22 s
